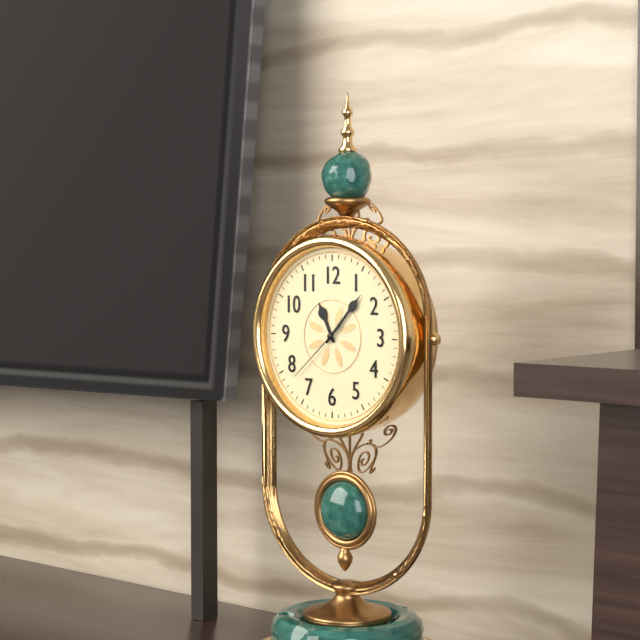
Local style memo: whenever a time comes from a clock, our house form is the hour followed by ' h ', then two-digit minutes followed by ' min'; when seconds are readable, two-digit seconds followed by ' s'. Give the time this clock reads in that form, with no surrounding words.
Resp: 11 h 07 min 38 s
